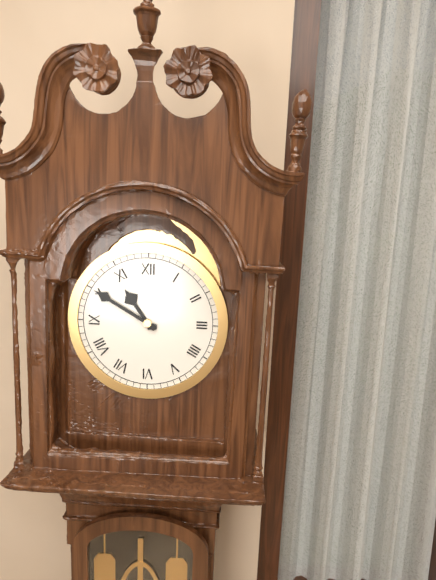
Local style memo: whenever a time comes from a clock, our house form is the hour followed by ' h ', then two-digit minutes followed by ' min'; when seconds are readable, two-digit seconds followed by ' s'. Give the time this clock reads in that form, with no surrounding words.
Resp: 10 h 50 min
